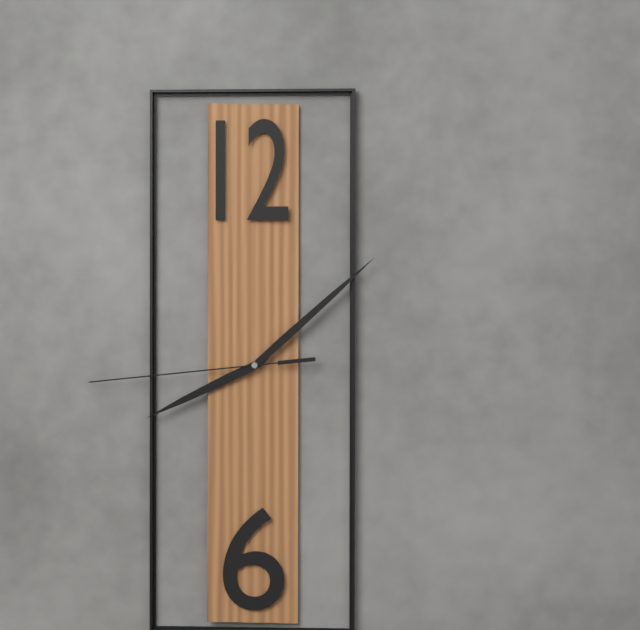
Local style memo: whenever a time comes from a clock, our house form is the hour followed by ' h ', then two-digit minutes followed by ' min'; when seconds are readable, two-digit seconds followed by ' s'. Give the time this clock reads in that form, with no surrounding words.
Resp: 8 h 08 min 44 s
